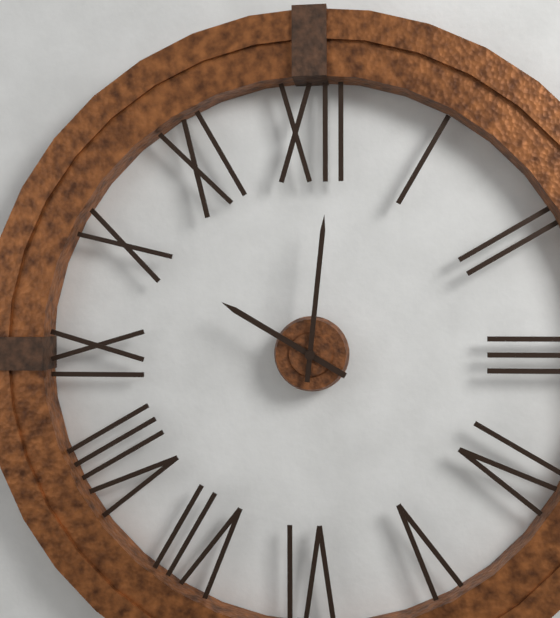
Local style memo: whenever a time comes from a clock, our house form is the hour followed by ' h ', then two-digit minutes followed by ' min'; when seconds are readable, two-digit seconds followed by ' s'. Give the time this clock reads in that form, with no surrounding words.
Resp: 10 h 01 min
